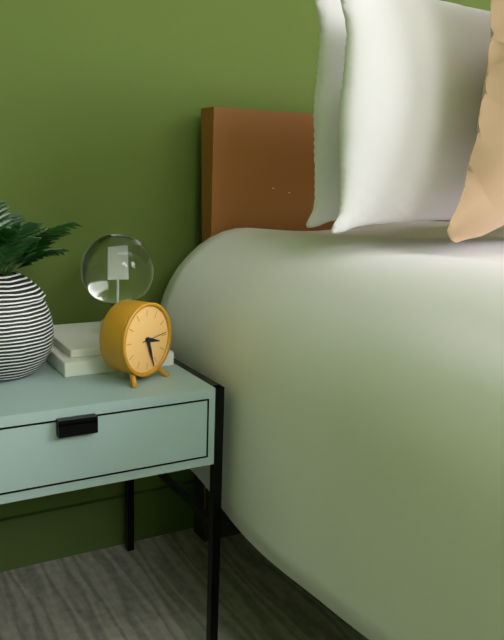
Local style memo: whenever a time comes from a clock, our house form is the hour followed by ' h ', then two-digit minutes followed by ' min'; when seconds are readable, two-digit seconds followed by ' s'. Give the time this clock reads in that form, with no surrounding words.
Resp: 3 h 27 min
